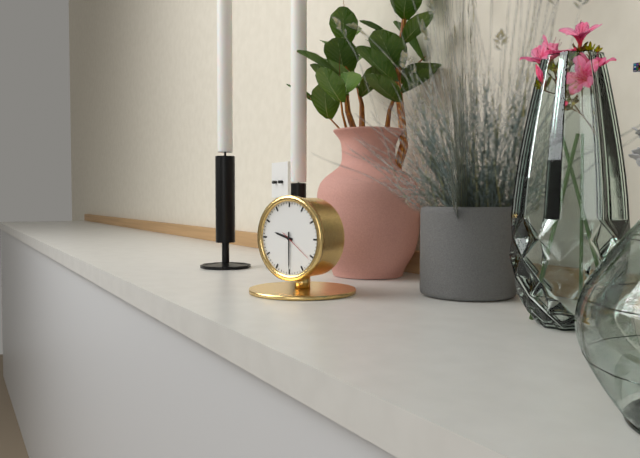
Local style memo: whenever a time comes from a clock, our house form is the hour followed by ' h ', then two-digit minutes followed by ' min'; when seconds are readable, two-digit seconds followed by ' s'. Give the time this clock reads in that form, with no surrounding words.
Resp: 9 h 30 min
